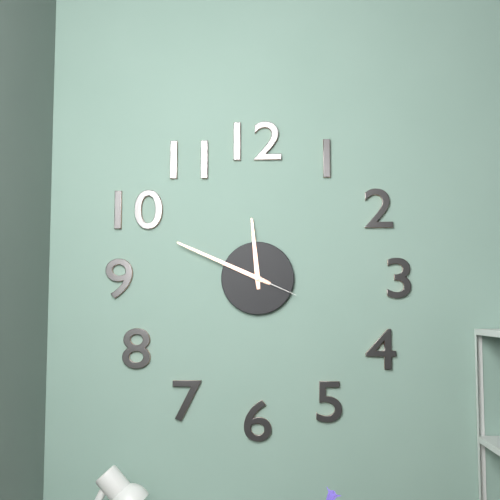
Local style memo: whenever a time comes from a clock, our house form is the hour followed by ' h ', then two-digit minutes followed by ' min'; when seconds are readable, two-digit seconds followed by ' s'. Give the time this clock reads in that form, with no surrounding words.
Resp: 11 h 49 min 19 s
